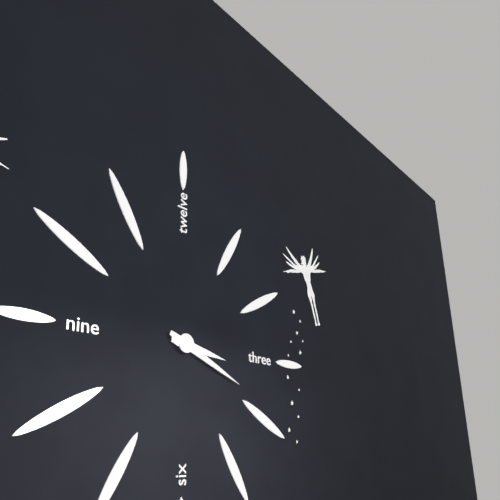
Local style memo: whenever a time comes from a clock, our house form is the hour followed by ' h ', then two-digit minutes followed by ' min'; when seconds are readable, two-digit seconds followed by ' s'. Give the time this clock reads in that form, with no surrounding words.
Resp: 3 h 19 min
